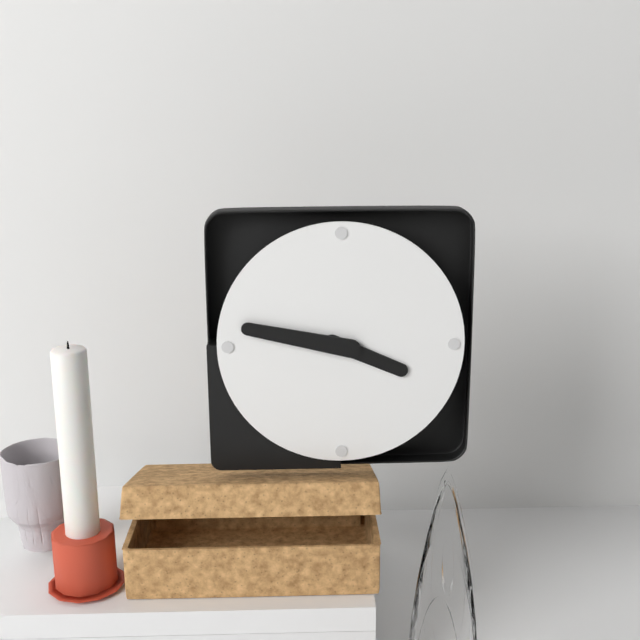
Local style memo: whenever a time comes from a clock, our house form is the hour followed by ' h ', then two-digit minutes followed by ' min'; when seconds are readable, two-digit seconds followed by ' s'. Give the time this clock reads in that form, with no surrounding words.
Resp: 3 h 47 min
